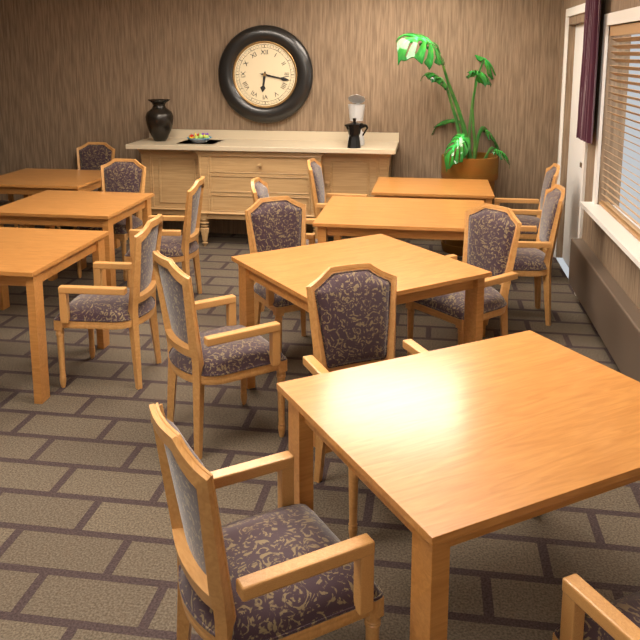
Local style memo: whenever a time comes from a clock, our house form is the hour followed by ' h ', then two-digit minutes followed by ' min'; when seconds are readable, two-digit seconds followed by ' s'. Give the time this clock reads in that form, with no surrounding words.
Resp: 6 h 17 min
